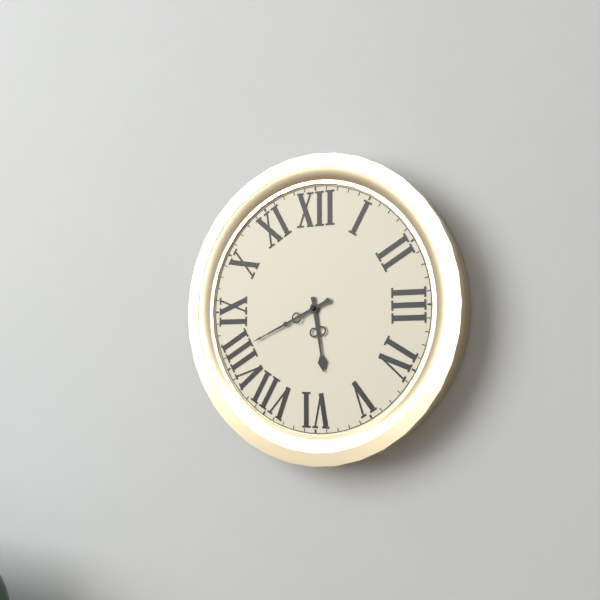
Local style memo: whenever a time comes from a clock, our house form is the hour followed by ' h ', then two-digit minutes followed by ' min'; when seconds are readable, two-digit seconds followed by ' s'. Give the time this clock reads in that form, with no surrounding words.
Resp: 5 h 41 min
